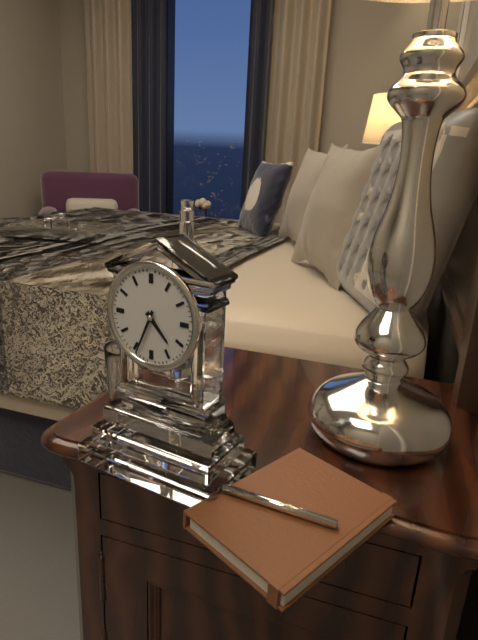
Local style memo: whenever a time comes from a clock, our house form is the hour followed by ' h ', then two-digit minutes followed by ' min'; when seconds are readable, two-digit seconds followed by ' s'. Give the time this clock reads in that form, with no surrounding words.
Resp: 4 h 34 min
